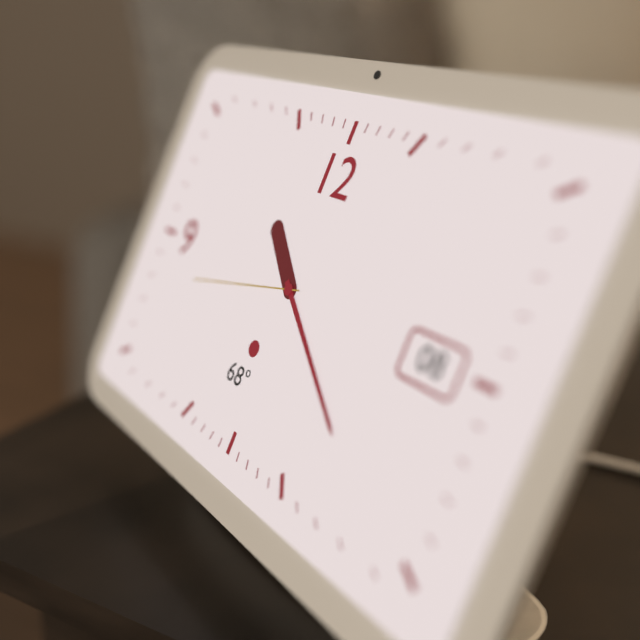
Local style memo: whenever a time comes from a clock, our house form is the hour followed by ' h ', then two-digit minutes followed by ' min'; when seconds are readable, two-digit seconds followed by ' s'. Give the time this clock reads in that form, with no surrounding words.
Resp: 10 h 21 min 43 s
